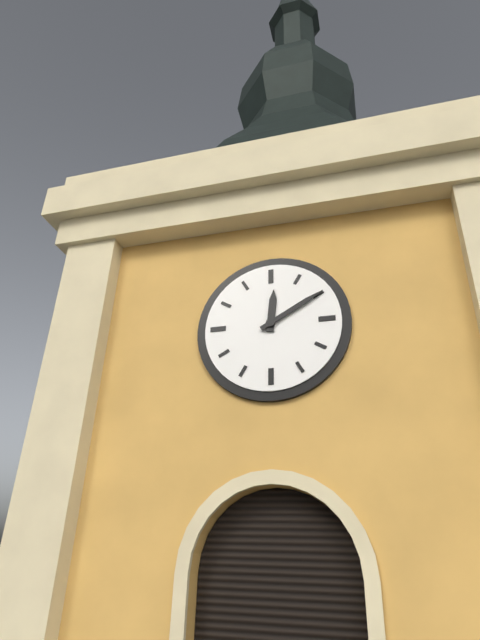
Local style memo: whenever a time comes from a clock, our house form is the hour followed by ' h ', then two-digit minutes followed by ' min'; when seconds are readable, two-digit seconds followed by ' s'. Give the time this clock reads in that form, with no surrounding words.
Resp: 12 h 10 min
